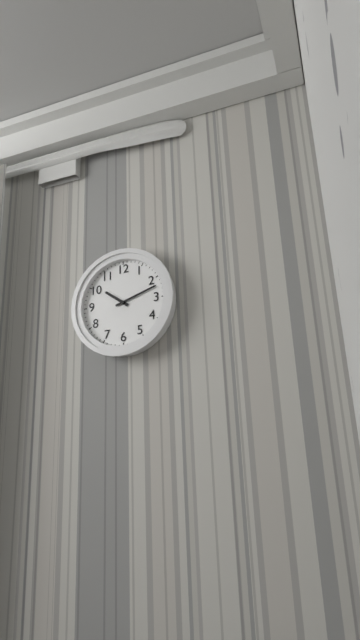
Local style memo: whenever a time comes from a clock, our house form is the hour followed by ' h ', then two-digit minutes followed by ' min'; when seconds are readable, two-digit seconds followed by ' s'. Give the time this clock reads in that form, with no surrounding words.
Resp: 10 h 12 min
